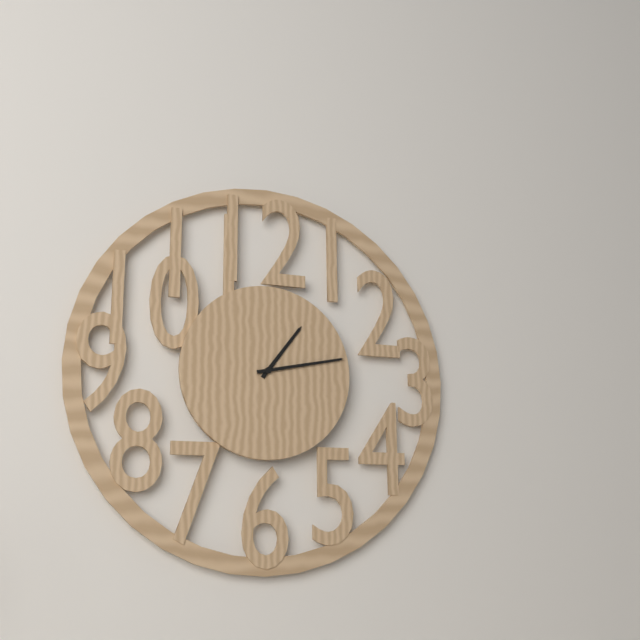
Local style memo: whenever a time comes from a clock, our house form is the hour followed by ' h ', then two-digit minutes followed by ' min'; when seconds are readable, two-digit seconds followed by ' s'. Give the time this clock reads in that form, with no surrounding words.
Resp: 1 h 13 min
